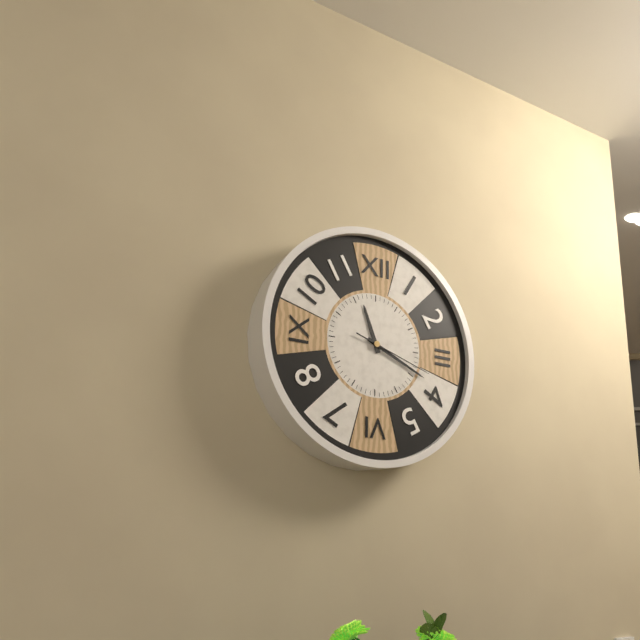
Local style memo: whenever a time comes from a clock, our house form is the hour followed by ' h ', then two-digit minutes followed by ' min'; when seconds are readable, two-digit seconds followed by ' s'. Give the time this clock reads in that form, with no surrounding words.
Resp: 11 h 19 min 18 s
